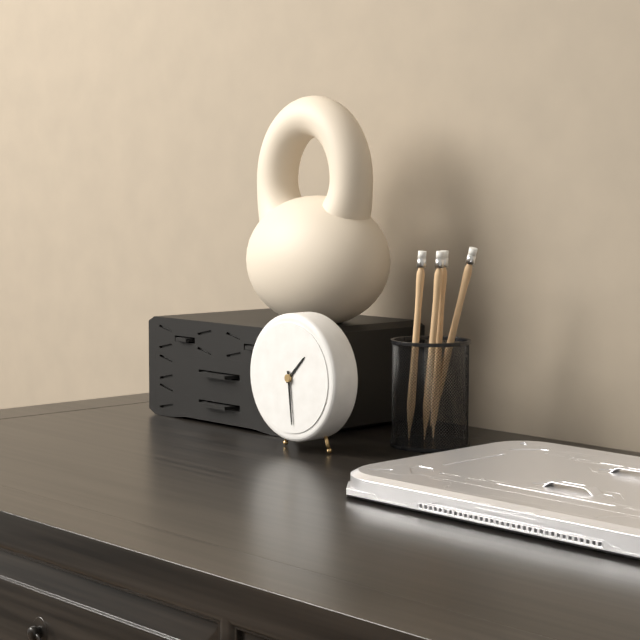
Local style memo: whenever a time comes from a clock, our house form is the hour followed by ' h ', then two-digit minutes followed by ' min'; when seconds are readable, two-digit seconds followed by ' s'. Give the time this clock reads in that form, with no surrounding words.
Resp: 1 h 29 min
